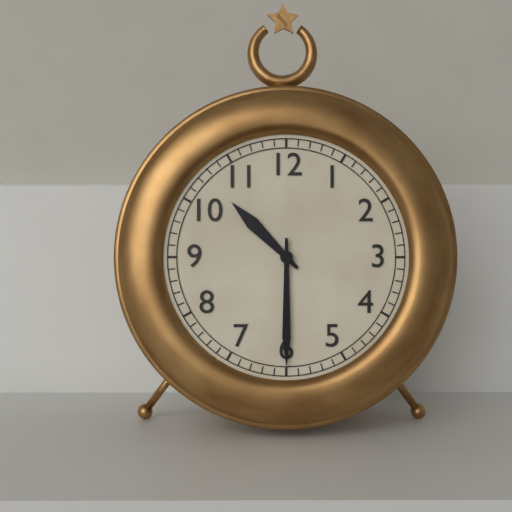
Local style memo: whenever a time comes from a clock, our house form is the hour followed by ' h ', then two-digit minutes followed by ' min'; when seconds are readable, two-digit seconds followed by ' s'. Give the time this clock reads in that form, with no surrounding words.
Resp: 10 h 30 min
